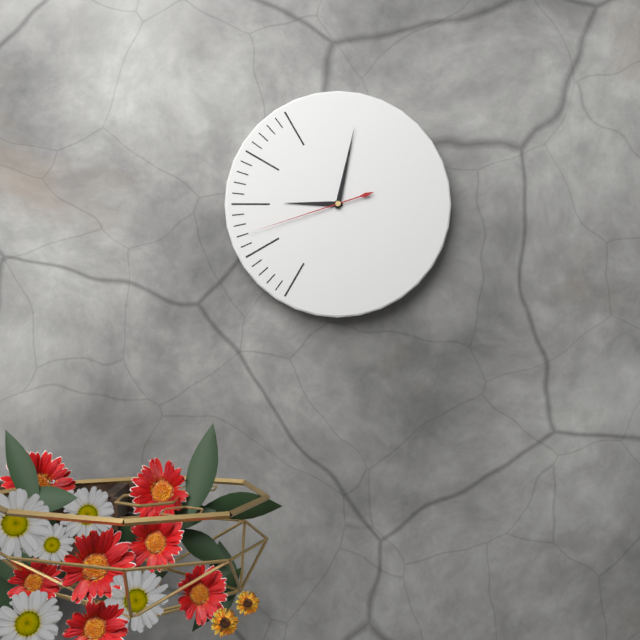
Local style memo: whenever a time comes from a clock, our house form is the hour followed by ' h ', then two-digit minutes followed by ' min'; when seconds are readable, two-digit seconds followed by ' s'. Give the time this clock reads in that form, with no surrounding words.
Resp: 9 h 02 min 42 s
